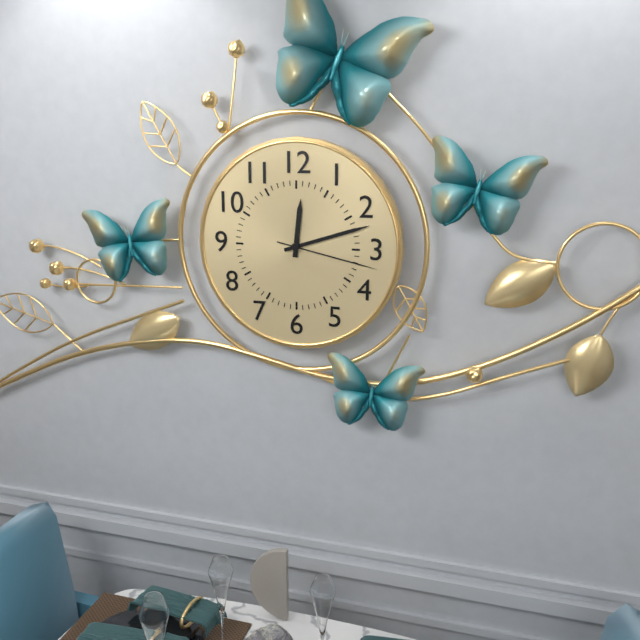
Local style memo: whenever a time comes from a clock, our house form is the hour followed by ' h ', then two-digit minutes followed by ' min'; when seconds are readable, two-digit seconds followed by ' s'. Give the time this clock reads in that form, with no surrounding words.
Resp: 12 h 12 min 17 s
